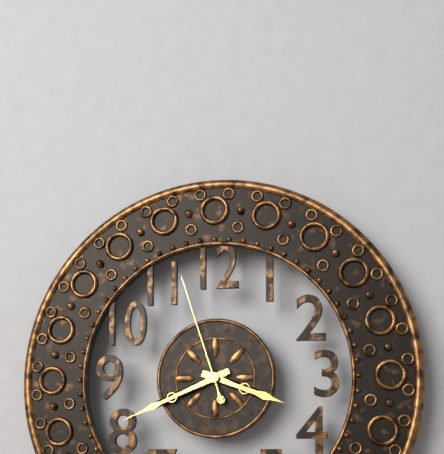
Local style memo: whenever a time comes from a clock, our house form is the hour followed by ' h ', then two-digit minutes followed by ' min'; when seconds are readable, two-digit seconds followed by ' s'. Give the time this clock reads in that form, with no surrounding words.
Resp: 3 h 41 min 57 s
